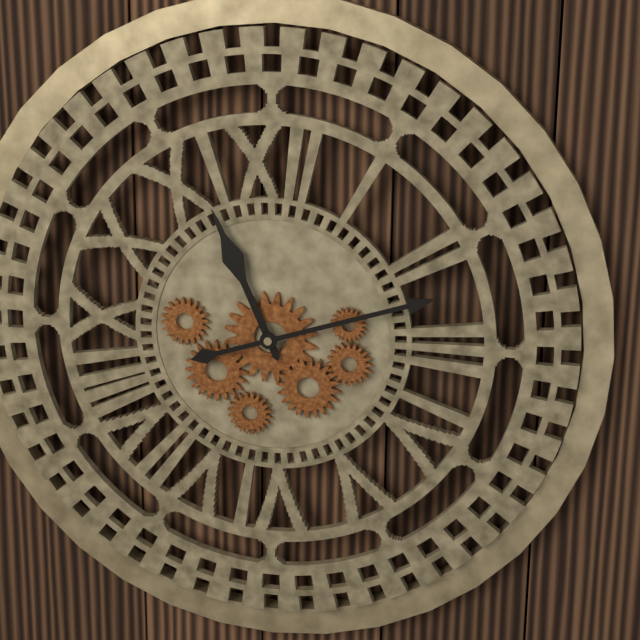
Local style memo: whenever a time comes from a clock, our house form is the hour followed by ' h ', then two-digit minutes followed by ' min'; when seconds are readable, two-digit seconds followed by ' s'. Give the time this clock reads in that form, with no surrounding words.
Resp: 11 h 12 min
